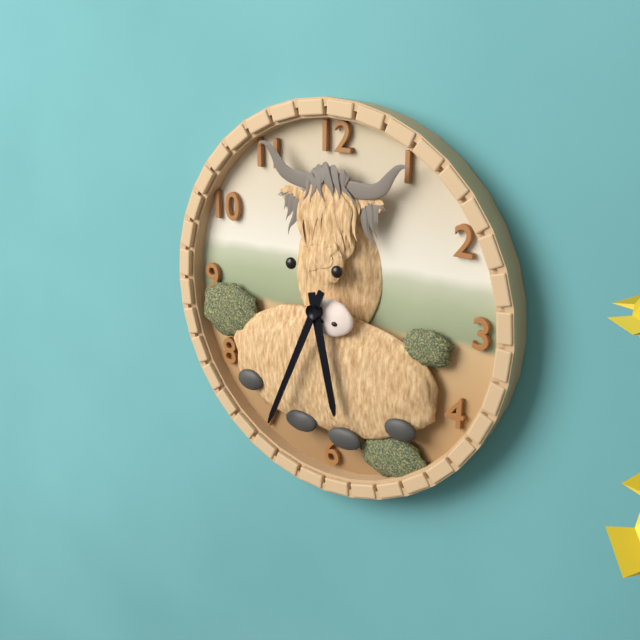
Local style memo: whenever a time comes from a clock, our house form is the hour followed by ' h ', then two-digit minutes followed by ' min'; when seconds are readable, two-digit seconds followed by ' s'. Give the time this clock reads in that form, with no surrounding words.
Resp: 5 h 34 min
